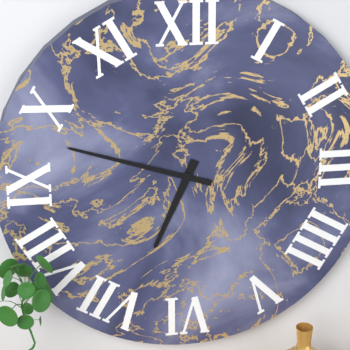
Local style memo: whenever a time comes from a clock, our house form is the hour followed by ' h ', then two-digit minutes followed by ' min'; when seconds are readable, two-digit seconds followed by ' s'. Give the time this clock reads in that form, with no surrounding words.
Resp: 6 h 48 min
